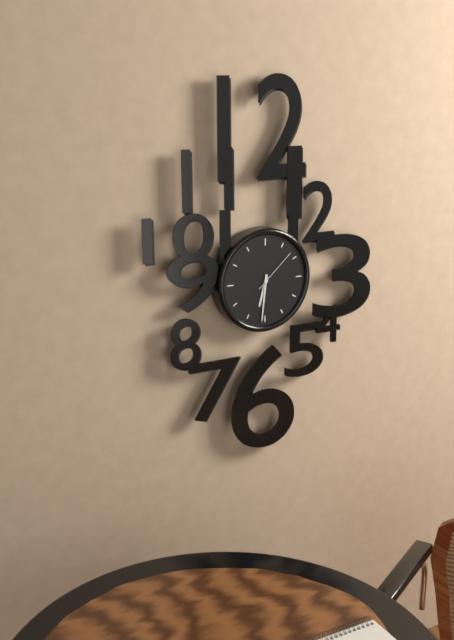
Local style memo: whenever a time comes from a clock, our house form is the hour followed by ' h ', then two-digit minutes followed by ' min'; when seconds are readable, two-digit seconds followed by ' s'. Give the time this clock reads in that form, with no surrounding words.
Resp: 6 h 31 min 08 s
